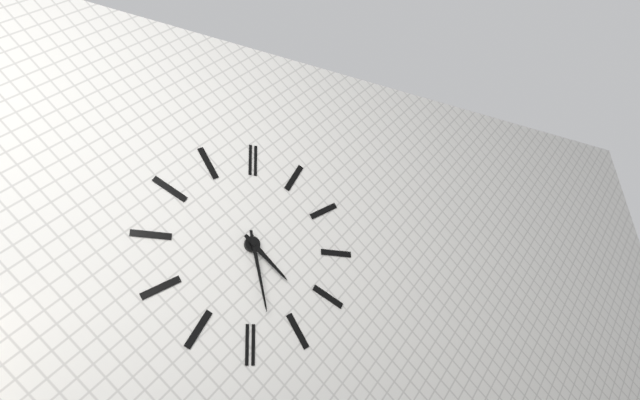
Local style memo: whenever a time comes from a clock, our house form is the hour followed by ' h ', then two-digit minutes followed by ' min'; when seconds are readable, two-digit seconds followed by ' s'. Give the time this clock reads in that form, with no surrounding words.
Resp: 4 h 28 min
